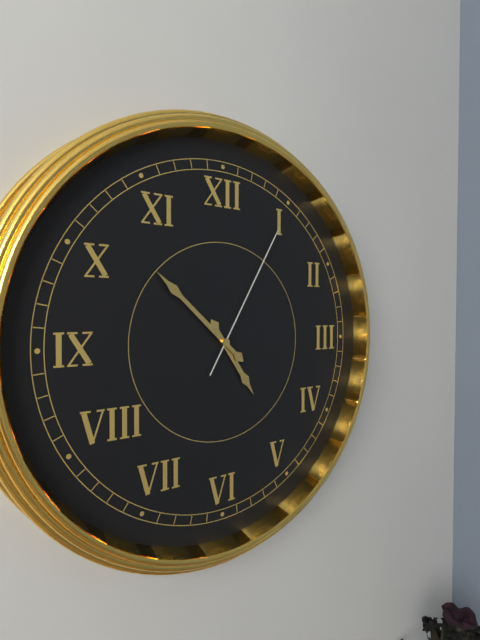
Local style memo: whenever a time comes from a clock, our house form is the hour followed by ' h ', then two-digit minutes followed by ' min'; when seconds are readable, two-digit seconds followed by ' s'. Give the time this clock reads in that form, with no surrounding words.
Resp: 4 h 52 min 05 s
